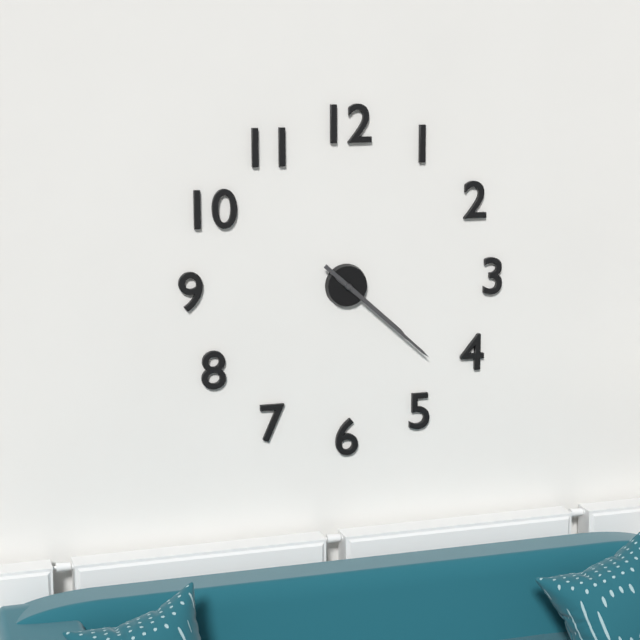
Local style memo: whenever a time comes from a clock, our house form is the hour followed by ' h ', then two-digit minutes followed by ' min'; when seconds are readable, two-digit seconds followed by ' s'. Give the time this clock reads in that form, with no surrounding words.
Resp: 4 h 22 min
